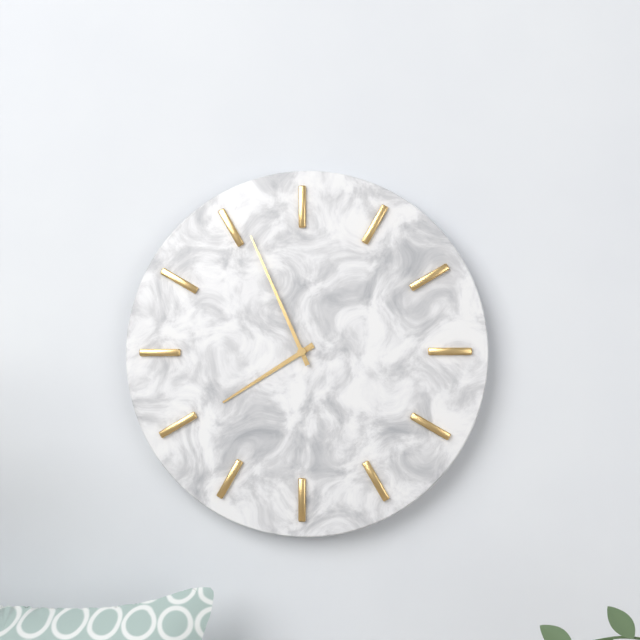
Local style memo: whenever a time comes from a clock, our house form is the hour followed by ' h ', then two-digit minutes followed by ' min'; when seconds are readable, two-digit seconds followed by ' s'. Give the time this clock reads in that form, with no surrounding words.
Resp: 7 h 56 min
